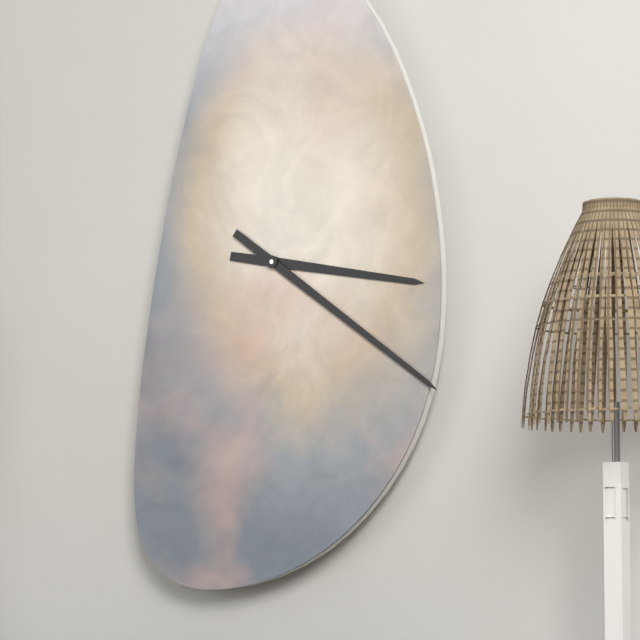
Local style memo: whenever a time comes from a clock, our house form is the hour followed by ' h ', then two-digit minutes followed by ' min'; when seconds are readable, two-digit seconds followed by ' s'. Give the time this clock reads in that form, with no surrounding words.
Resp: 3 h 21 min
